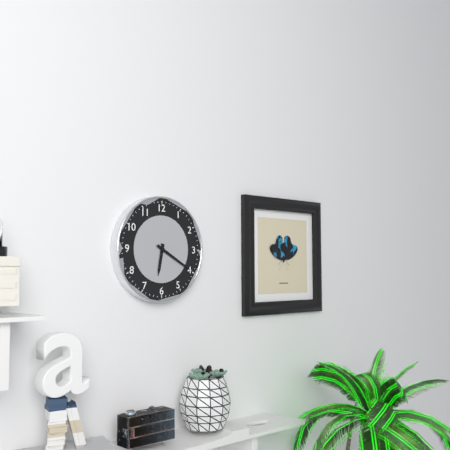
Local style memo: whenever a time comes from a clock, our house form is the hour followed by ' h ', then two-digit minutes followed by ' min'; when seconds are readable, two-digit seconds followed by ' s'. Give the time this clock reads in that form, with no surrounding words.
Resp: 6 h 20 min
